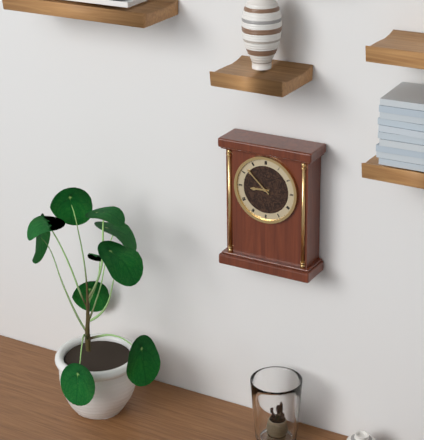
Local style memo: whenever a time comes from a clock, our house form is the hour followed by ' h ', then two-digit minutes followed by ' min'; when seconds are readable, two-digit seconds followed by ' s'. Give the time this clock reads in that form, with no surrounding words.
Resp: 8 h 52 min
